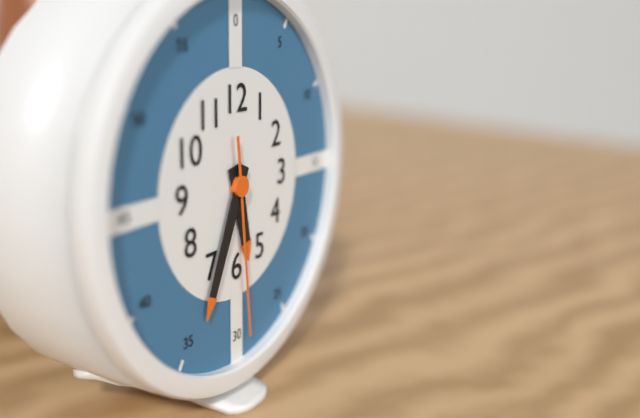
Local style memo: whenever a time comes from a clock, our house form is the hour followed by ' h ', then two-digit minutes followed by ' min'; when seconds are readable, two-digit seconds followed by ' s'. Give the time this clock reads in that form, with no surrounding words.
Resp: 5 h 34 min 29 s
